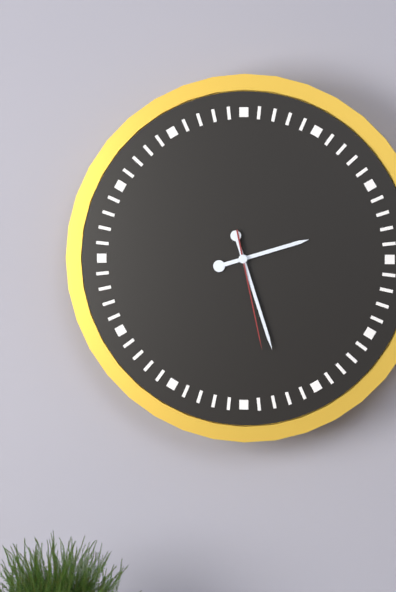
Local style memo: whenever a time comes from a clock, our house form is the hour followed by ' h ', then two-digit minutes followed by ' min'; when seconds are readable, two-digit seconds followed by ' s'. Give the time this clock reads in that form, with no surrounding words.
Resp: 2 h 27 min 28 s
